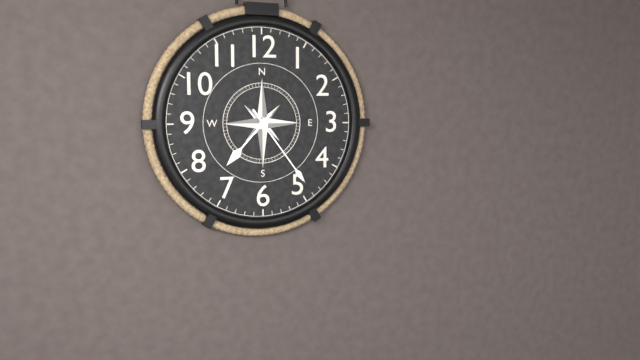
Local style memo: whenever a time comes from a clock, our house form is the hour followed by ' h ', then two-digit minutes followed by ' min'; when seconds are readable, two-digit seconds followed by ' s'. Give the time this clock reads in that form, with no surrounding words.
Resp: 7 h 24 min
